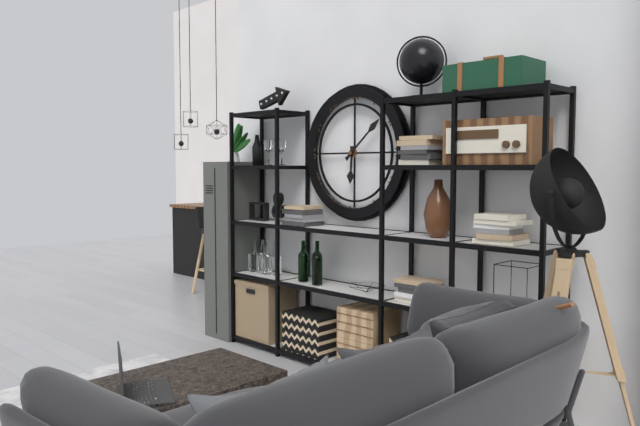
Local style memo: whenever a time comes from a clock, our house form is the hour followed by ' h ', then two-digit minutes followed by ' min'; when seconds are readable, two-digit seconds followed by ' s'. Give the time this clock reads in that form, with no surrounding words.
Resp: 6 h 08 min
